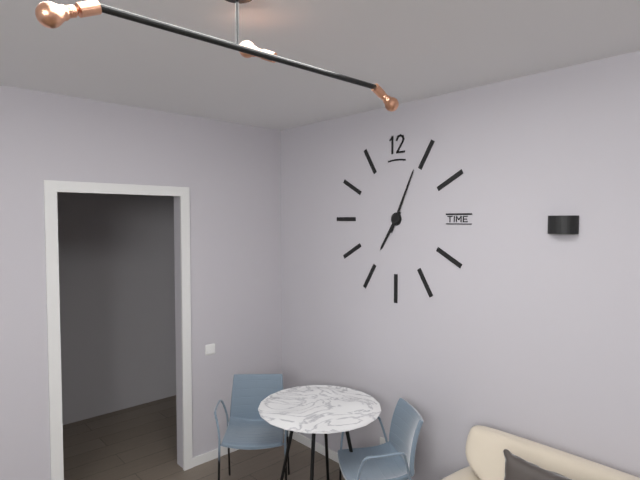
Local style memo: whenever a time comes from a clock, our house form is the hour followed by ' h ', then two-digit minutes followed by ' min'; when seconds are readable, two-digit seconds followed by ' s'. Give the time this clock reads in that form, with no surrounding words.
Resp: 7 h 04 min
